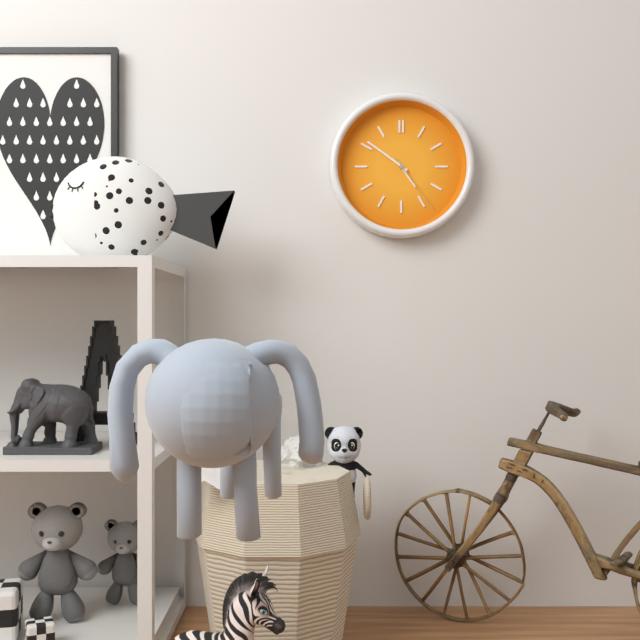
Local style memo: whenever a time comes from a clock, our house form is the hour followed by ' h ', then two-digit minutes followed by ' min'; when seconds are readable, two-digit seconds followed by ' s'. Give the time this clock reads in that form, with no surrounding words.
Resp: 4 h 51 min 24 s
